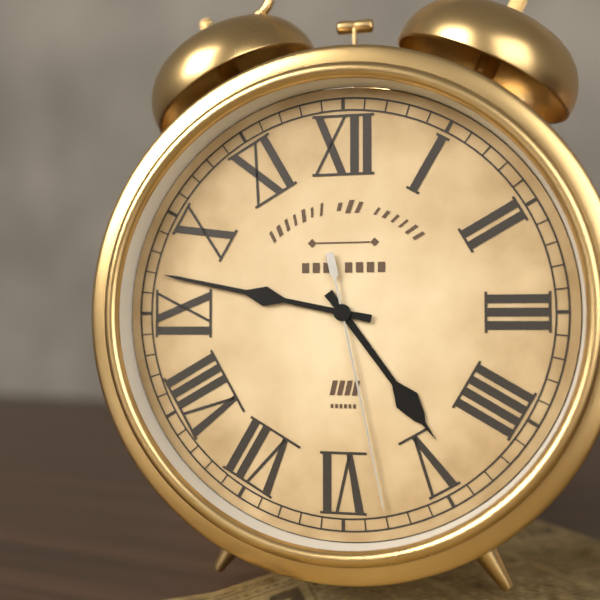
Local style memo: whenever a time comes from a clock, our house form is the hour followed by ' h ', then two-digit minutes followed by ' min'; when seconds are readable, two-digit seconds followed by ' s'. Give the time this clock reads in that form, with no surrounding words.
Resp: 4 h 47 min 28 s
